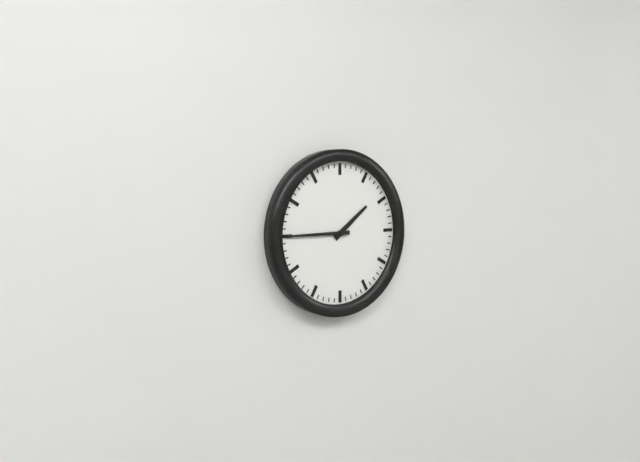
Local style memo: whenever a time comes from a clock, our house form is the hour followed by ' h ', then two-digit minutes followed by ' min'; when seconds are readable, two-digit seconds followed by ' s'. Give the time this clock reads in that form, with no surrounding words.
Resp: 1 h 45 min
